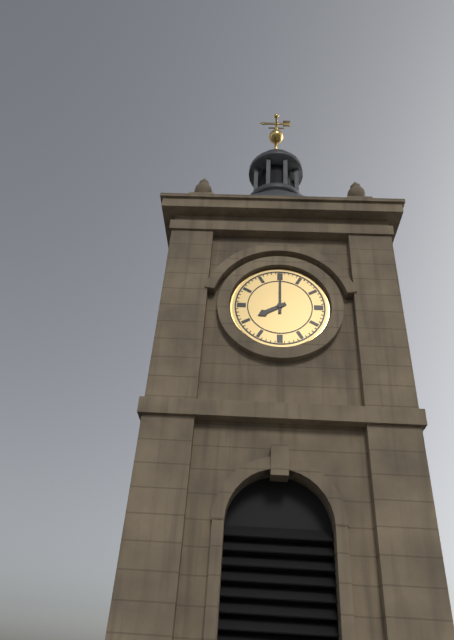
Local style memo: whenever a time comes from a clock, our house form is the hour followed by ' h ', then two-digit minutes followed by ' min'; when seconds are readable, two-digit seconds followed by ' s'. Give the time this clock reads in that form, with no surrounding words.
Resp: 8 h 00 min
